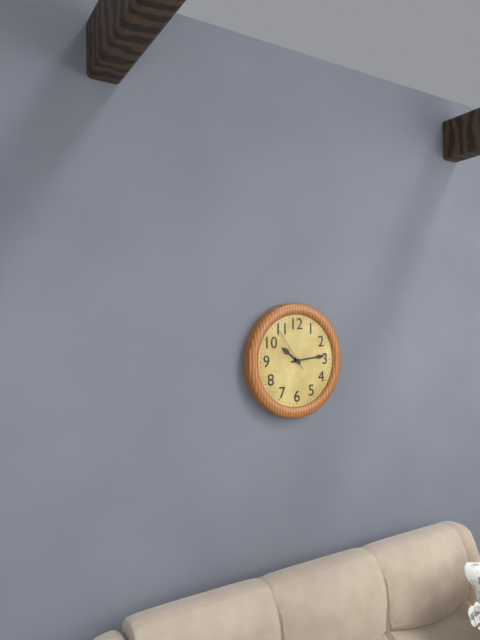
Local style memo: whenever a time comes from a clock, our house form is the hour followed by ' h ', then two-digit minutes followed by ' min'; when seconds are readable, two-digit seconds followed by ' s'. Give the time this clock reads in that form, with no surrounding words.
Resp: 10 h 14 min
